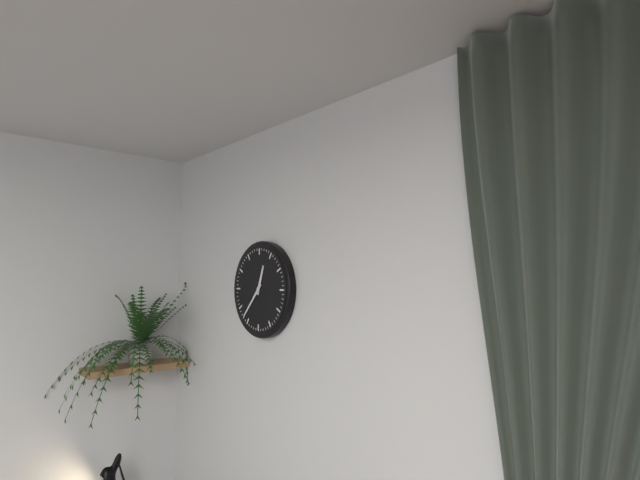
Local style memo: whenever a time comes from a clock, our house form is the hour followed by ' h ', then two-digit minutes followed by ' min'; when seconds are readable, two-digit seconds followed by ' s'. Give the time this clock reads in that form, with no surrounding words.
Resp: 12 h 37 min
